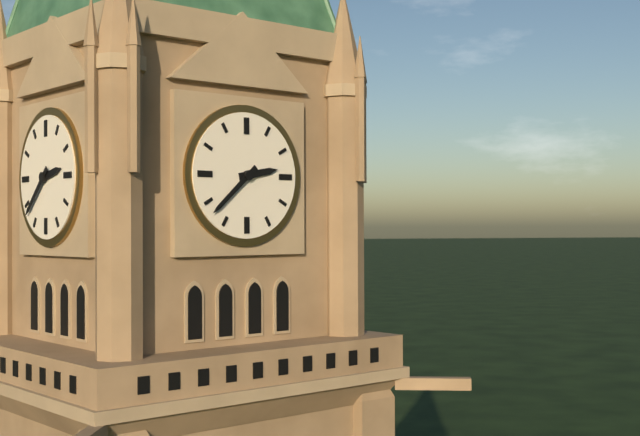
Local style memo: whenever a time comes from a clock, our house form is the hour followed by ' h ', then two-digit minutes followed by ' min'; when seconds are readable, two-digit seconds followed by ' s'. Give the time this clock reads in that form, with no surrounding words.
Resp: 2 h 38 min
